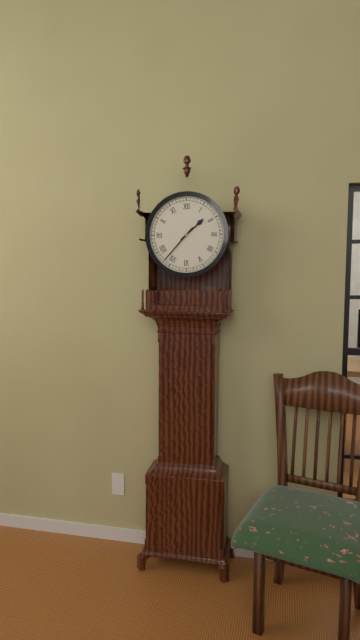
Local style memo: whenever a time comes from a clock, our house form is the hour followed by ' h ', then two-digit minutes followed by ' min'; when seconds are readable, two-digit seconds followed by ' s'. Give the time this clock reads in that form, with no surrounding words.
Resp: 1 h 37 min
